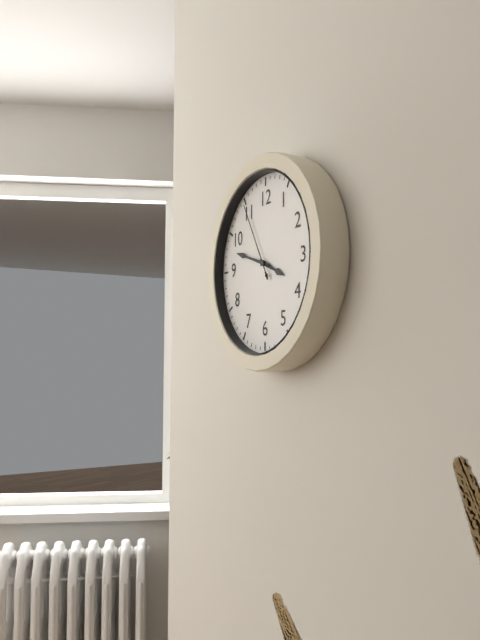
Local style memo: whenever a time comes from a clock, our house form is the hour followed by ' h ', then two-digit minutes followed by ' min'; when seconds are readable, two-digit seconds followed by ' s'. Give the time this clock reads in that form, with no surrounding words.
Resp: 3 h 48 min 55 s
